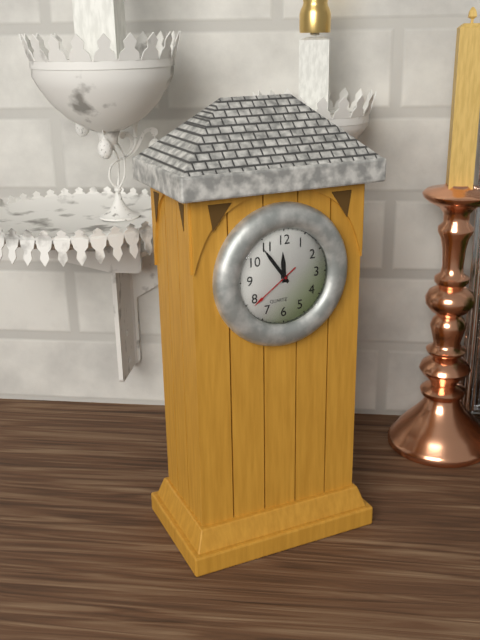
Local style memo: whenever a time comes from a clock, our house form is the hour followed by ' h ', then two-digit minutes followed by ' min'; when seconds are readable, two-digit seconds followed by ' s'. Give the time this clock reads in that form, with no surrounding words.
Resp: 11 h 54 min 39 s
